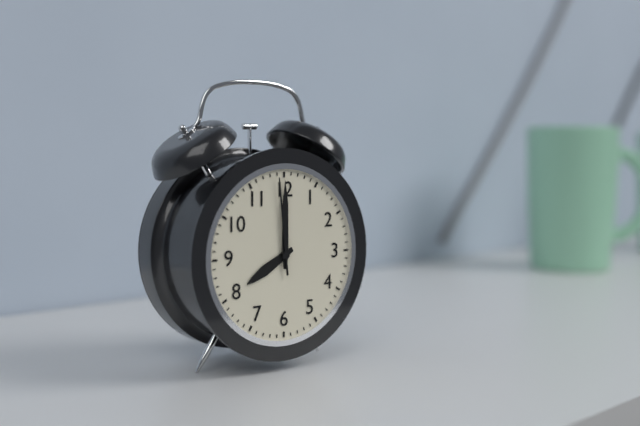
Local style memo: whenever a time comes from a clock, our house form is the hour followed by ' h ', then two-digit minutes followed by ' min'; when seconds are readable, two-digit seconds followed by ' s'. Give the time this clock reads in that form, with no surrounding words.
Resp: 8 h 00 min 59 s
